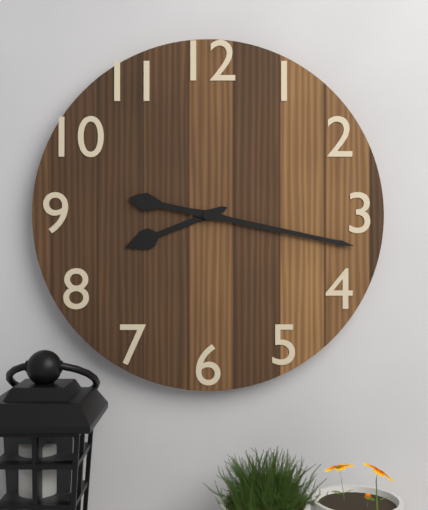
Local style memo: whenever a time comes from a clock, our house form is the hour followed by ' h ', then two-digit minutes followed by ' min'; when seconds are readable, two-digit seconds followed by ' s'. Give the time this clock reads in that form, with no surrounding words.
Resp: 8 h 17 min
